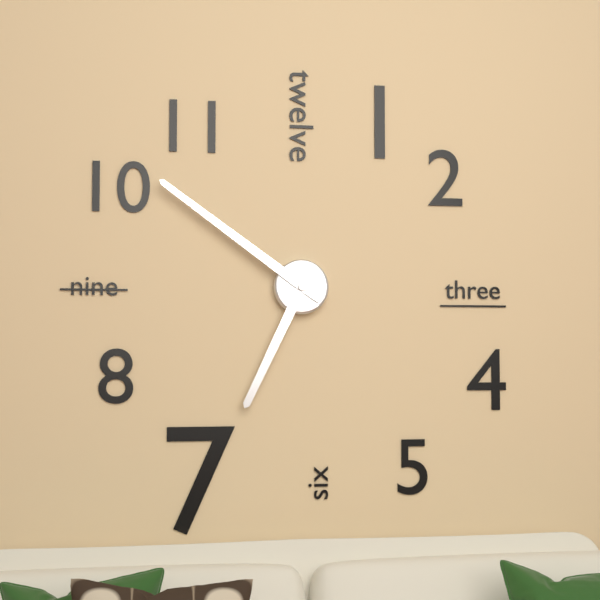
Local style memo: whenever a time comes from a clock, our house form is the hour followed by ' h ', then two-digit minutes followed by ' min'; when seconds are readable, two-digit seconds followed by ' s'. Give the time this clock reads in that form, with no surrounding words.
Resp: 6 h 51 min
